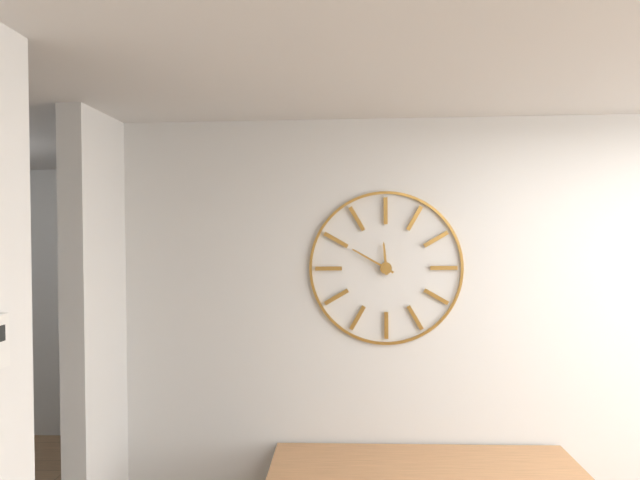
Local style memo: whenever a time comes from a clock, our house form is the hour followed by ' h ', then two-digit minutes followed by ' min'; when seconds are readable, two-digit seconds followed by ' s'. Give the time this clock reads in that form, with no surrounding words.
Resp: 11 h 50 min
